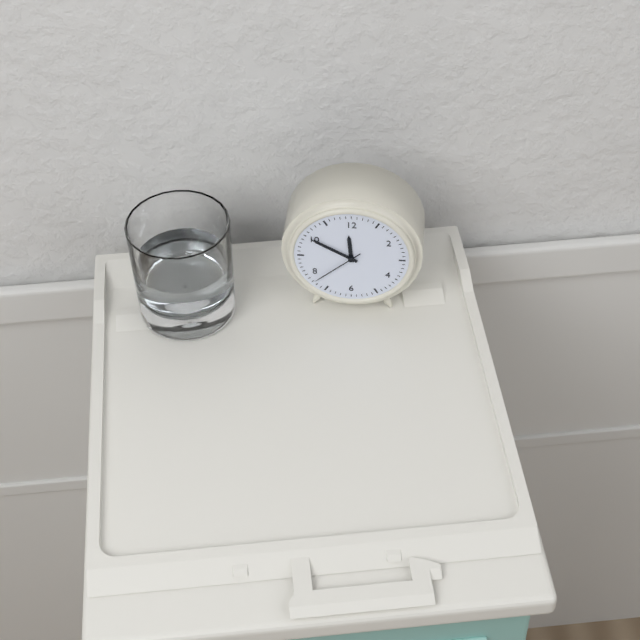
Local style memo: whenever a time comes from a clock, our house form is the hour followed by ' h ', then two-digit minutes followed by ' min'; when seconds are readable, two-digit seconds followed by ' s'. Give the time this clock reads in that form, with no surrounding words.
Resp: 11 h 50 min 38 s
